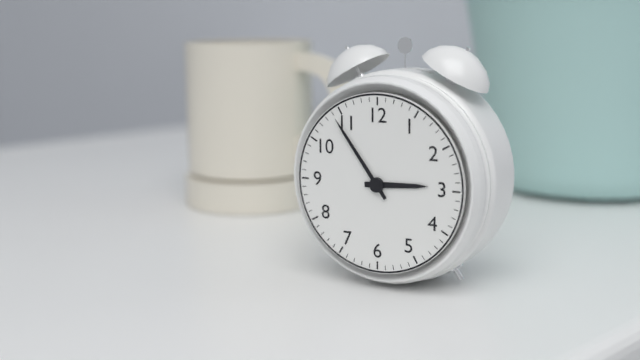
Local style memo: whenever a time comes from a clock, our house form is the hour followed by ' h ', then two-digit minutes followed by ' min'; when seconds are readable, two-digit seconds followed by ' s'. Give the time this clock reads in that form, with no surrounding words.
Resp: 2 h 54 min
